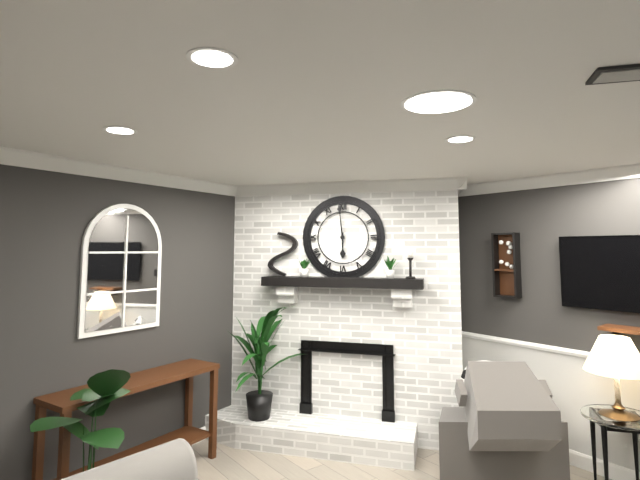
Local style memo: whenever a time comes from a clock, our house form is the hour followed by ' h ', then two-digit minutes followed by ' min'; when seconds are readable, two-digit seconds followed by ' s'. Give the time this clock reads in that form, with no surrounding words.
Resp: 5 h 59 min
